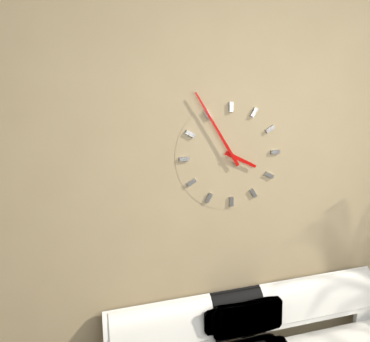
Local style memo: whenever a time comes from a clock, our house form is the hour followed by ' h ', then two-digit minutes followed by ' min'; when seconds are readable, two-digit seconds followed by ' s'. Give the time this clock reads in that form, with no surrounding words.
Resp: 3 h 55 min
